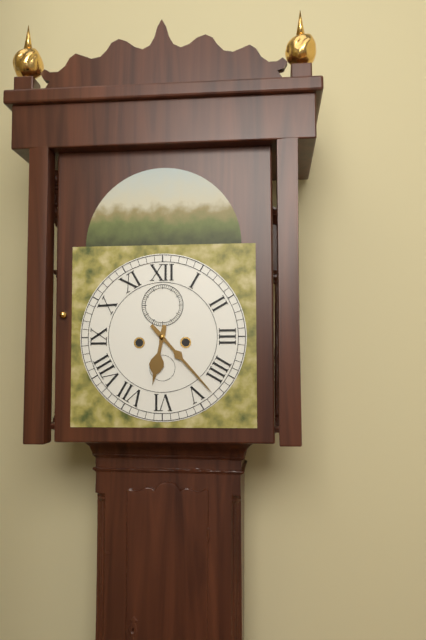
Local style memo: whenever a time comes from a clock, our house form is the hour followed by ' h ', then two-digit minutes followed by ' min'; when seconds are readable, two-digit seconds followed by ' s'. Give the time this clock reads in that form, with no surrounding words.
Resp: 6 h 23 min
